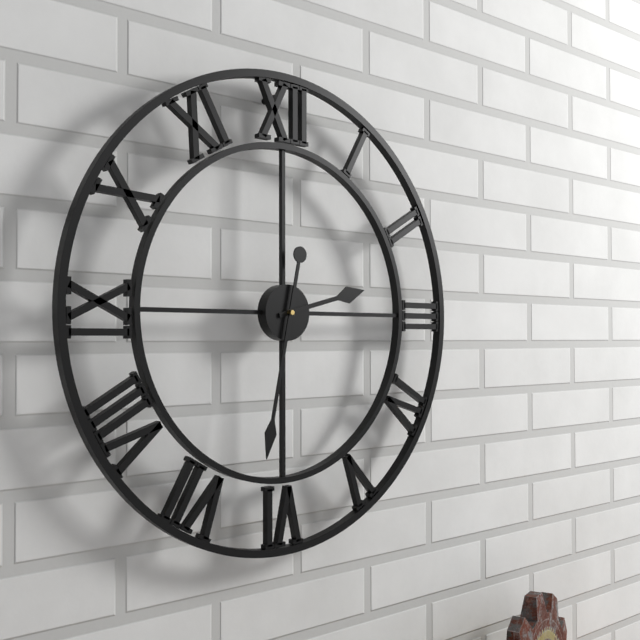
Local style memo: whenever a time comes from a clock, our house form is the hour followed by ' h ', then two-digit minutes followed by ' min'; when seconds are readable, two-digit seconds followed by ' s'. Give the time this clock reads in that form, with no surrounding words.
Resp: 2 h 32 min
